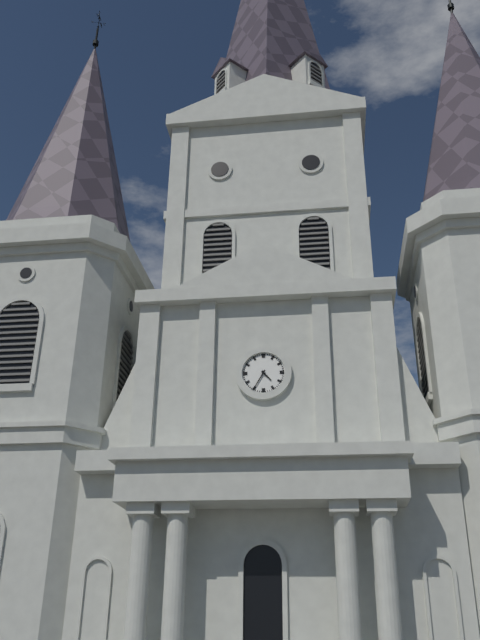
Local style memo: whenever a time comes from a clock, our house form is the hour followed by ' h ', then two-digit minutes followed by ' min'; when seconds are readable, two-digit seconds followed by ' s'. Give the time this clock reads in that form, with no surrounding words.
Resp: 4 h 35 min
